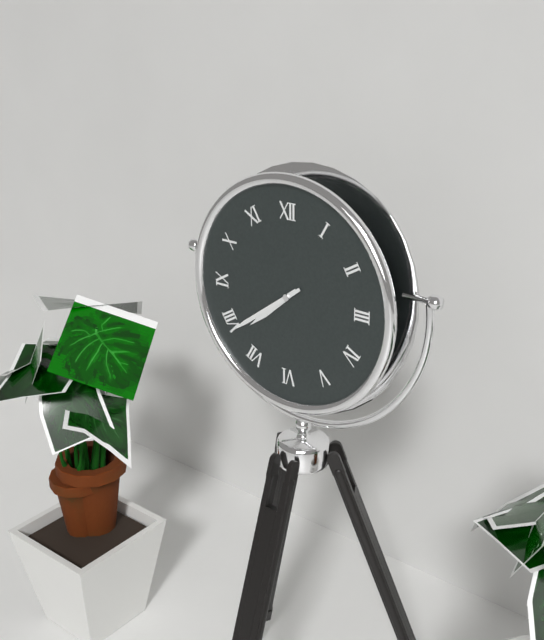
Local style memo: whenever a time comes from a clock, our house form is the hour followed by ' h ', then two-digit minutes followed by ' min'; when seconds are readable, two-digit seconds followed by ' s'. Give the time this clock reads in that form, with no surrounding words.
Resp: 7 h 39 min
